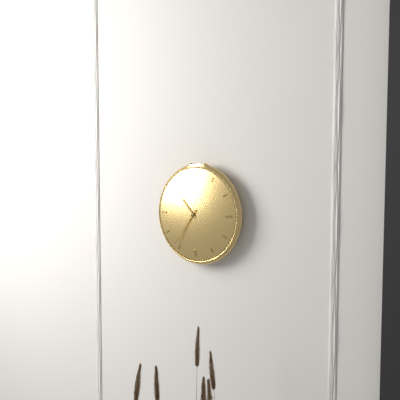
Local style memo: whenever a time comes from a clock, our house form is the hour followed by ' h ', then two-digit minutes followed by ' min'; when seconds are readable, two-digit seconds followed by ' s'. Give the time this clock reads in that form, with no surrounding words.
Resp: 10 h 36 min
